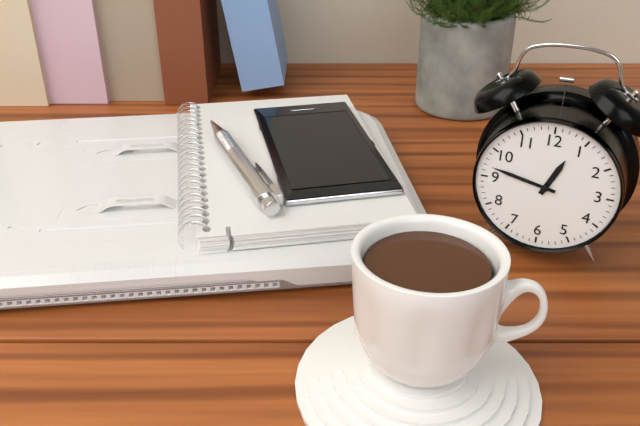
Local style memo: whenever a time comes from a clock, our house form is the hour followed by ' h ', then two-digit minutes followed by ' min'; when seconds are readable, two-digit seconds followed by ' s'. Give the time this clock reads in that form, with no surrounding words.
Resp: 12 h 47 min
